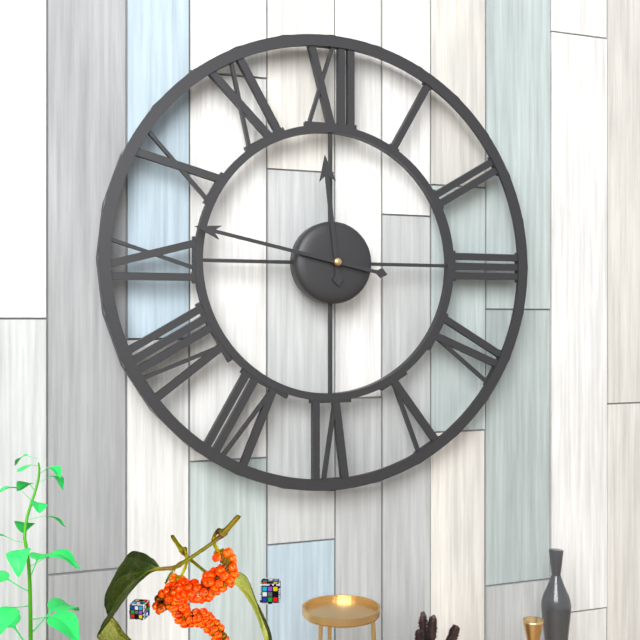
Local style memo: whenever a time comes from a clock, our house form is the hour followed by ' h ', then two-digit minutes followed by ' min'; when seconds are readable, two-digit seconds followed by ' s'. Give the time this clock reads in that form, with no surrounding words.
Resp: 11 h 47 min
